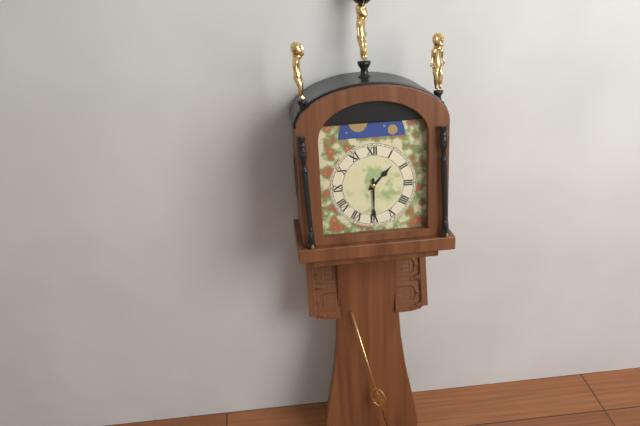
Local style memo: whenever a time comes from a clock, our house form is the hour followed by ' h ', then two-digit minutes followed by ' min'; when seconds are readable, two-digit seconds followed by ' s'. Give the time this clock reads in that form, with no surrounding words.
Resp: 1 h 30 min
